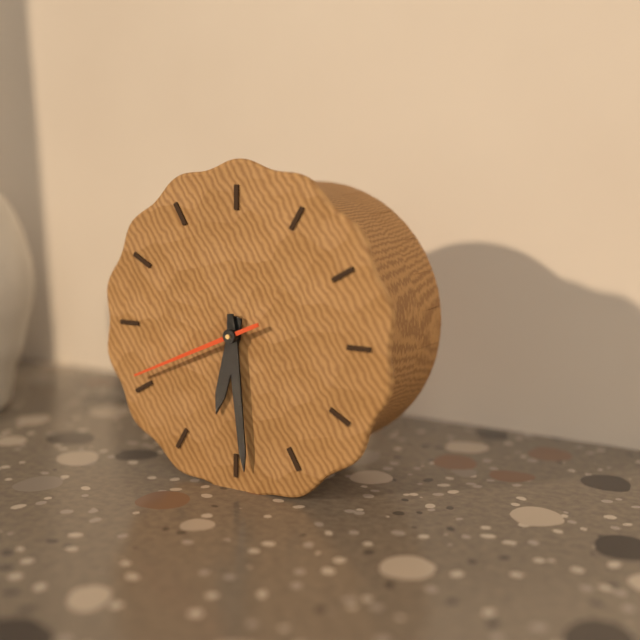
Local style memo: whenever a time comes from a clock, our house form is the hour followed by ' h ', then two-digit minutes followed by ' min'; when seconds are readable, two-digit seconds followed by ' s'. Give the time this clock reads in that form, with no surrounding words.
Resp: 6 h 29 min 41 s
